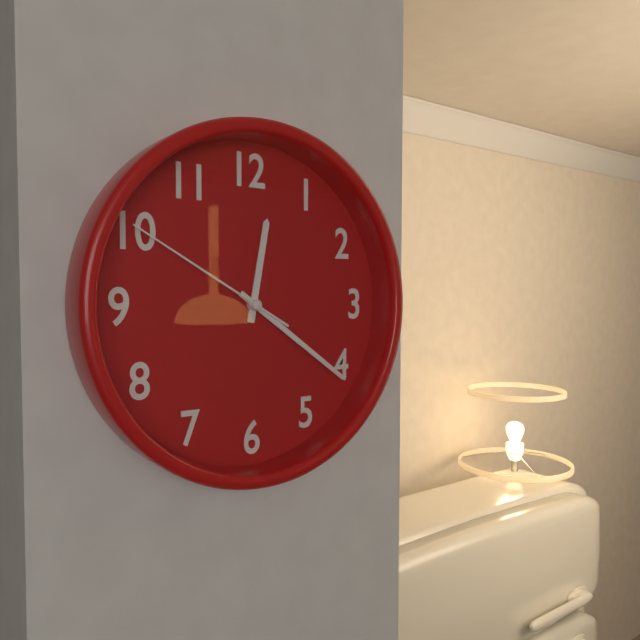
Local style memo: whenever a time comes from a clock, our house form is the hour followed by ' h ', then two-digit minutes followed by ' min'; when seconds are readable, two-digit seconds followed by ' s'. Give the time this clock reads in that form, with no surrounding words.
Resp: 12 h 21 min 50 s
